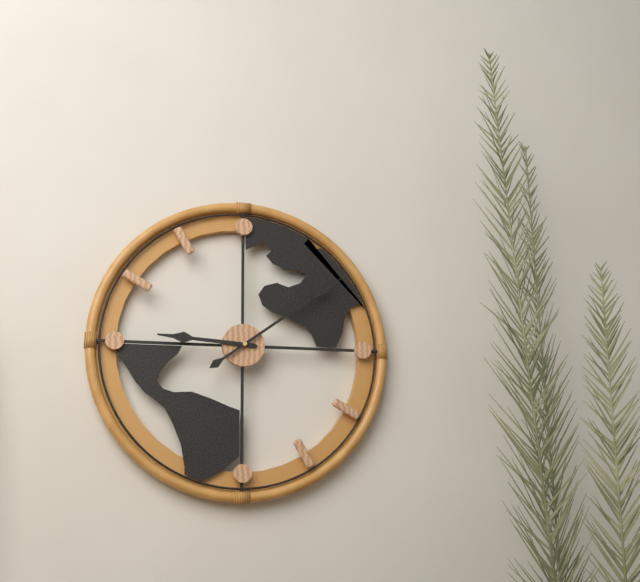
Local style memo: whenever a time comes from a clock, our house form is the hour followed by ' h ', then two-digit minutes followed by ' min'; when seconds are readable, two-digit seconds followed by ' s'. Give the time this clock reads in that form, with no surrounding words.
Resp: 9 h 09 min
